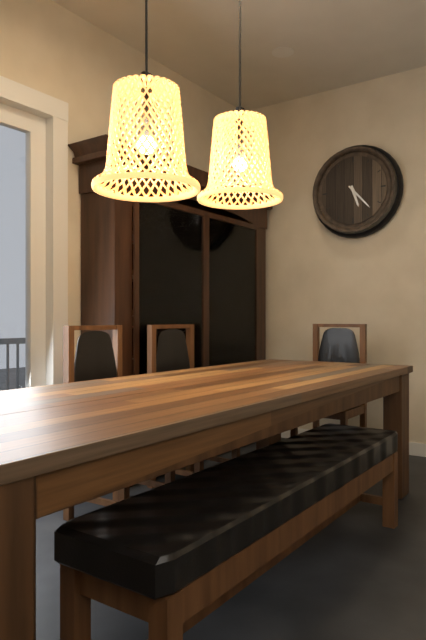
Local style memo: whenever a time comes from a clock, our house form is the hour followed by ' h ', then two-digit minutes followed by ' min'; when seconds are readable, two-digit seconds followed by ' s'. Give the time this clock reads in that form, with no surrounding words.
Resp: 5 h 23 min
